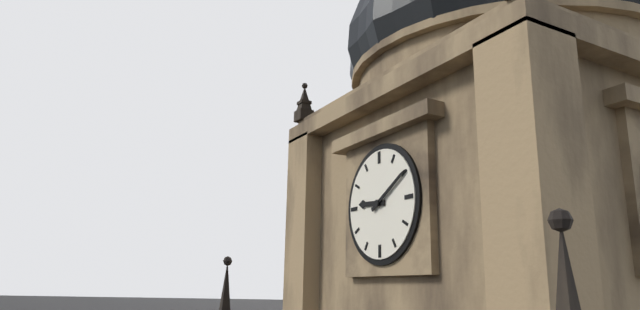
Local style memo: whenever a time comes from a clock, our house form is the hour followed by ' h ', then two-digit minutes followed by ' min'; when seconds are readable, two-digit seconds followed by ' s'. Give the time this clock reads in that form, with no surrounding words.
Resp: 9 h 10 min
